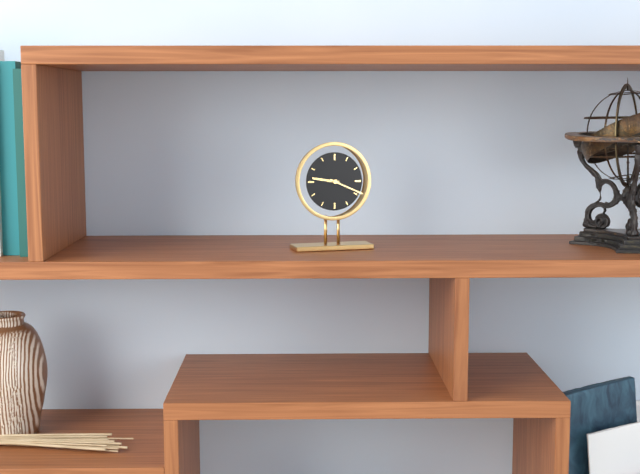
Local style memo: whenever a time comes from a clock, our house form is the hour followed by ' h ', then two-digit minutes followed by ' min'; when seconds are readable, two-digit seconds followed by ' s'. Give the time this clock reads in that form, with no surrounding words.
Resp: 9 h 19 min
